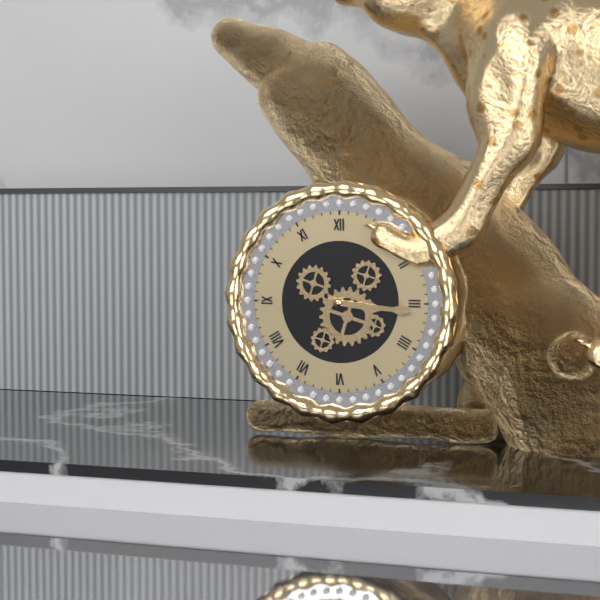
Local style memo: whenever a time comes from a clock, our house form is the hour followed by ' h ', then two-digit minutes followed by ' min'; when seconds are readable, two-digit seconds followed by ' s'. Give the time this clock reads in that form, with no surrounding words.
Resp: 3 h 16 min
